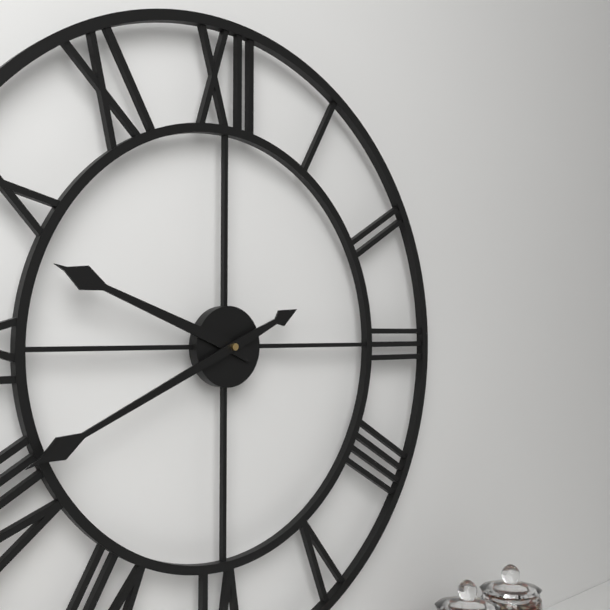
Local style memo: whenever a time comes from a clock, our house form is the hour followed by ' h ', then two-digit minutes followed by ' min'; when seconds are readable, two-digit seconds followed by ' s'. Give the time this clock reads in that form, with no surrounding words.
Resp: 9 h 41 min
